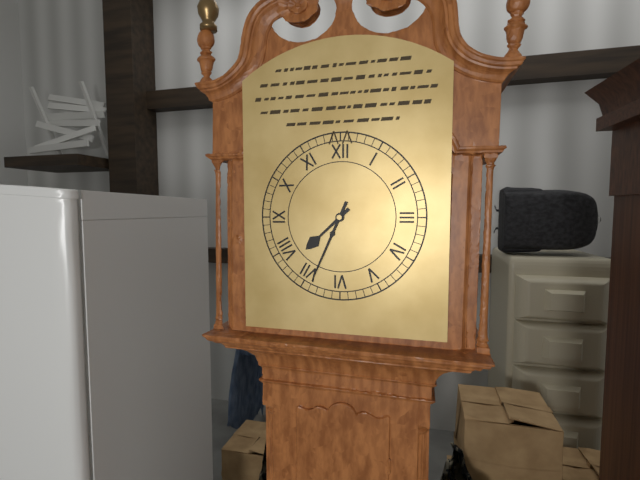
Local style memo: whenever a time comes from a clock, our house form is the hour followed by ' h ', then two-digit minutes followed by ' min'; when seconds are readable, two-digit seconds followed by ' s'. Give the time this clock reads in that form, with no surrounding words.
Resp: 7 h 34 min
